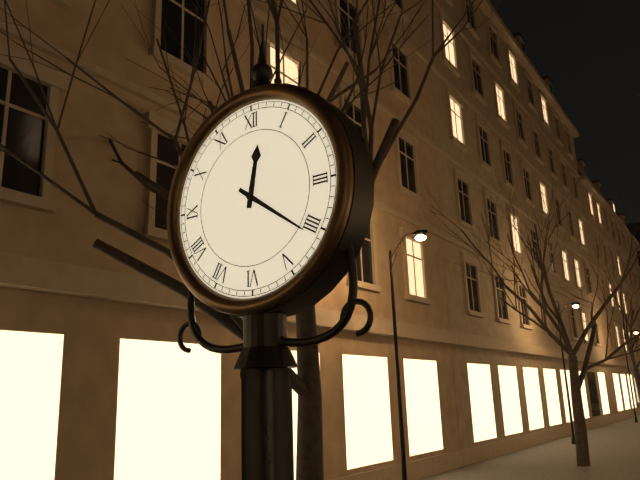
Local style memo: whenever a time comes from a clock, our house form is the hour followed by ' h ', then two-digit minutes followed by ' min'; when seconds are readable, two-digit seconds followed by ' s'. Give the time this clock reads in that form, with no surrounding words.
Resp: 12 h 21 min
